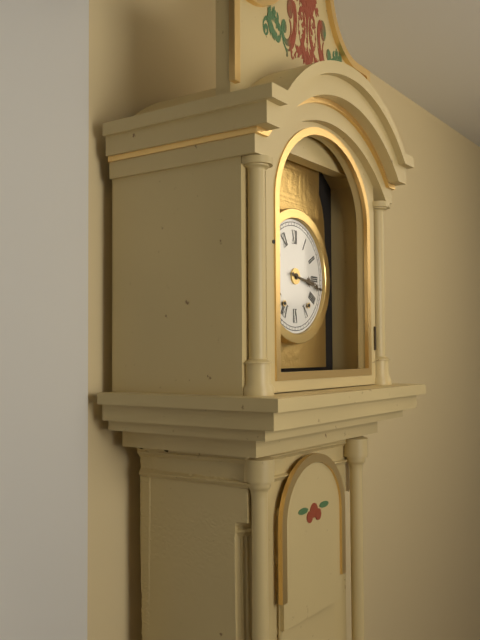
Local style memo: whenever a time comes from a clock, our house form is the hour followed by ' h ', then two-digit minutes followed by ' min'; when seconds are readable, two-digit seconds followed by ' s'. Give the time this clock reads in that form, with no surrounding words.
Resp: 3 h 17 min
